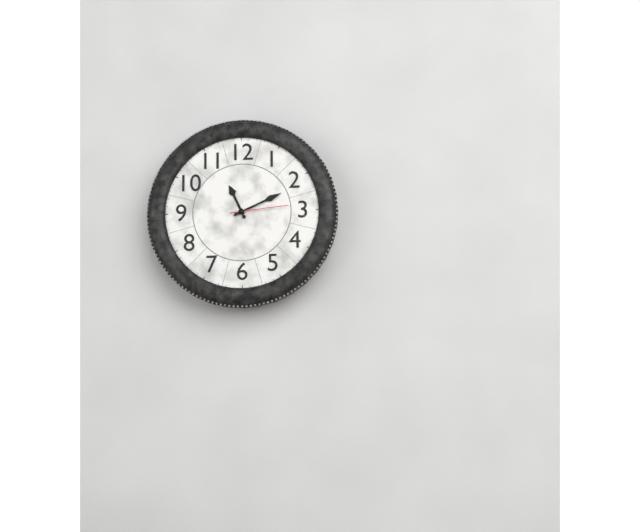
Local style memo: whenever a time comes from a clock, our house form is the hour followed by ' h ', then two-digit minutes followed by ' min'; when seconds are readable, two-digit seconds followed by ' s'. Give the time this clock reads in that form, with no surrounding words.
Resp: 11 h 11 min 14 s
